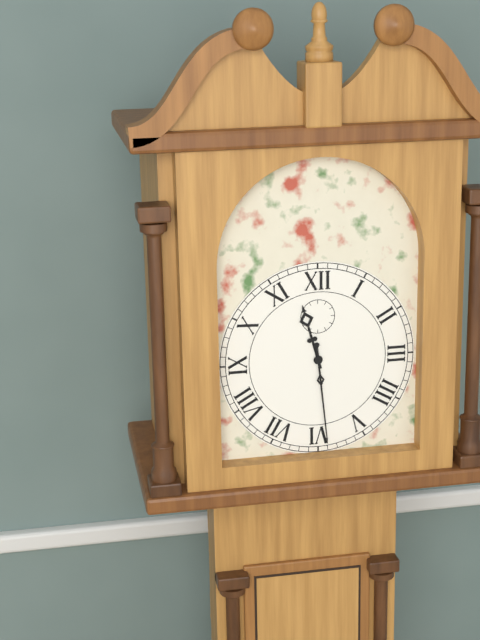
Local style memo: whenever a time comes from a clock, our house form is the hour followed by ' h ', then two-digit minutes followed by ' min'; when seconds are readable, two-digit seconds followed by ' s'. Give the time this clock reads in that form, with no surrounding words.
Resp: 11 h 29 min
